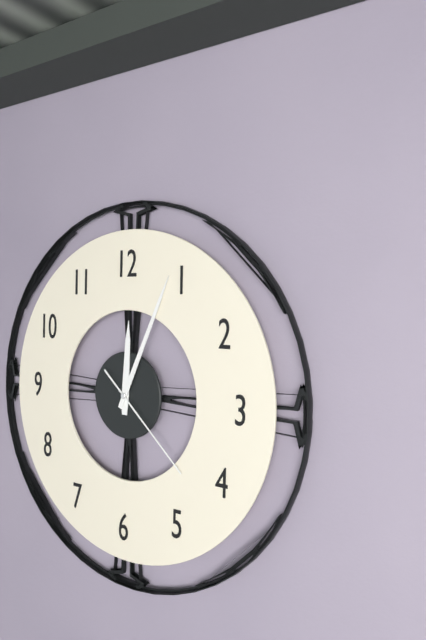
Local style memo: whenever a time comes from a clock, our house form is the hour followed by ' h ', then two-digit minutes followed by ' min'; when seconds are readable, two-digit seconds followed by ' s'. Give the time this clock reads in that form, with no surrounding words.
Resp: 12 h 04 min 22 s
